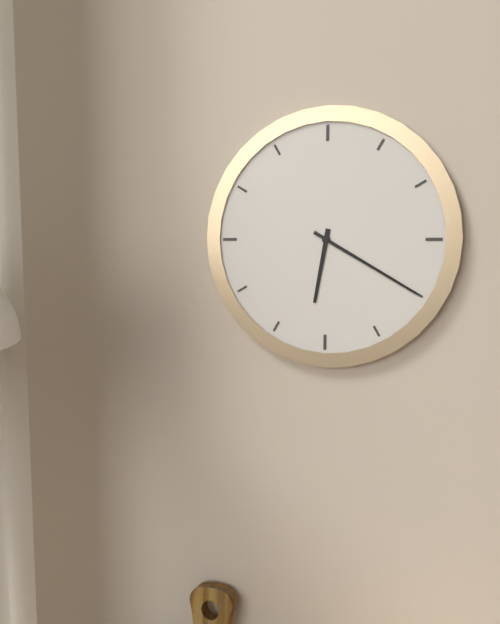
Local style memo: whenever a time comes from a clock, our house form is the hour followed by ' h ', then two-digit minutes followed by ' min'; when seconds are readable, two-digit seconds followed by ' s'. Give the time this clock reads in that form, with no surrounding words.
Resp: 6 h 20 min
